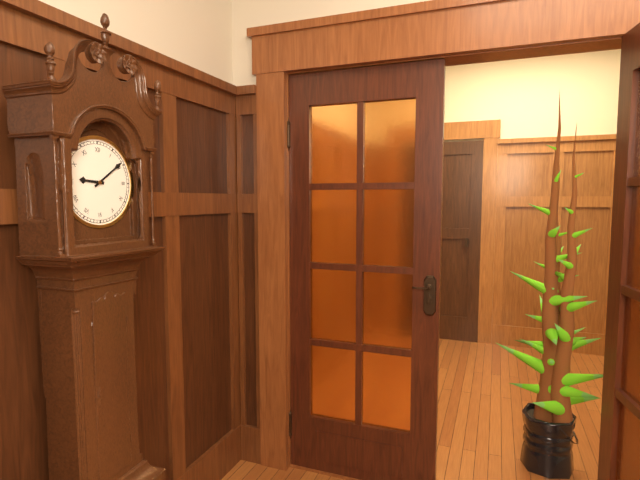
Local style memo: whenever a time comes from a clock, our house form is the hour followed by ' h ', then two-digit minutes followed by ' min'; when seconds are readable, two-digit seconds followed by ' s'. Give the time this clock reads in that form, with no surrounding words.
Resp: 9 h 09 min
